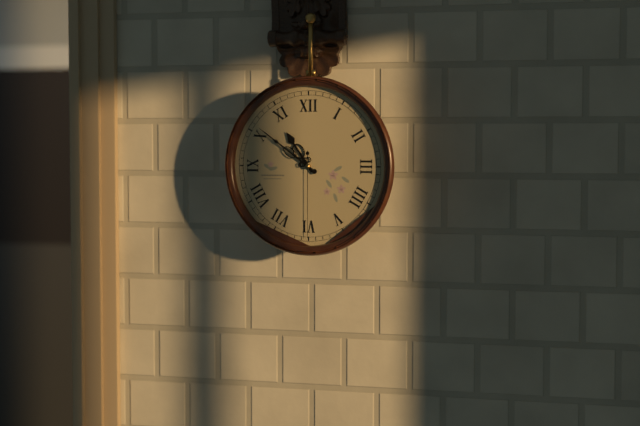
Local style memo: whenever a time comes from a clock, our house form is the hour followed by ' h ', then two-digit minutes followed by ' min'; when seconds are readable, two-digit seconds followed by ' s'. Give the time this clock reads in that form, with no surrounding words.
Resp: 10 h 51 min 30 s
